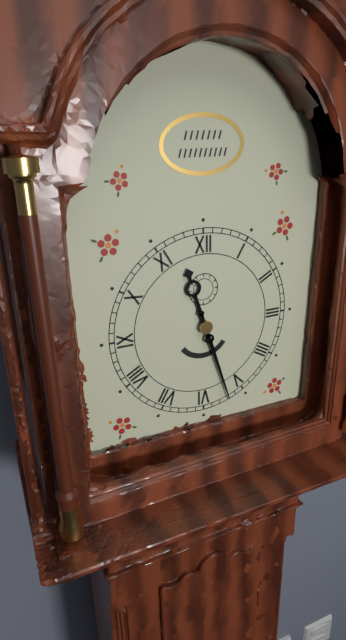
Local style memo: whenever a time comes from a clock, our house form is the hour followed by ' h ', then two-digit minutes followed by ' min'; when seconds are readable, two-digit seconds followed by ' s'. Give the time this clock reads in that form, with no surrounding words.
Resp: 11 h 27 min
